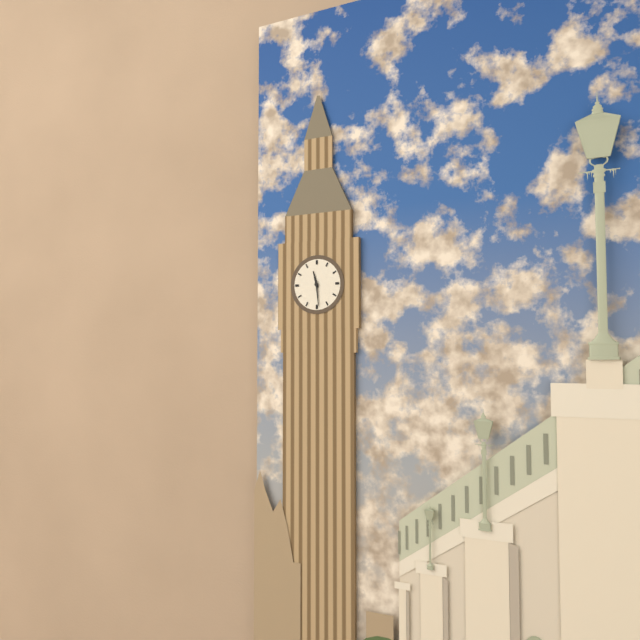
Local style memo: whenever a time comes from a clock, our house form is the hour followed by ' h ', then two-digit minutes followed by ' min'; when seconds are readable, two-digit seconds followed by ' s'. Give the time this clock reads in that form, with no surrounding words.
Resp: 11 h 29 min
